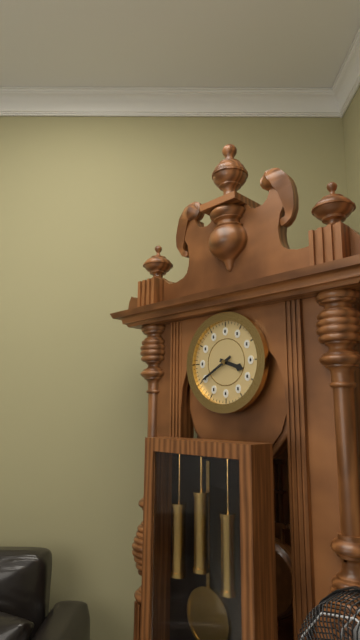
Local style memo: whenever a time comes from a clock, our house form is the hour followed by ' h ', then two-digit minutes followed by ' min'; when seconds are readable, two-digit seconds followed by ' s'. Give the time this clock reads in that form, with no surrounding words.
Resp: 3 h 40 min
